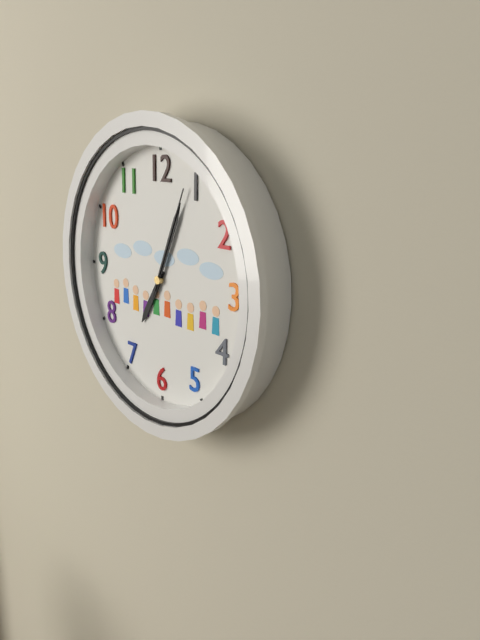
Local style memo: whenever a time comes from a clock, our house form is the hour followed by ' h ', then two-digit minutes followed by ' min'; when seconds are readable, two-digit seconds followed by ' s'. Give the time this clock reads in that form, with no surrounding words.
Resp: 7 h 04 min 04 s
